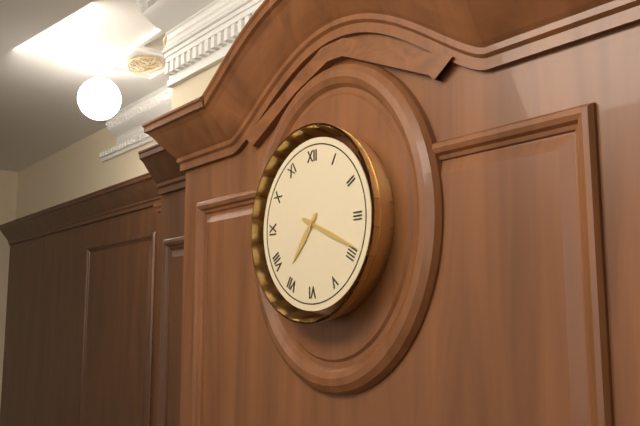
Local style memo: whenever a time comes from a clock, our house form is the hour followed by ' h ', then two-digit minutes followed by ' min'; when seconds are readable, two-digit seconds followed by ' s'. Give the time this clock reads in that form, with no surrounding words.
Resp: 7 h 19 min
